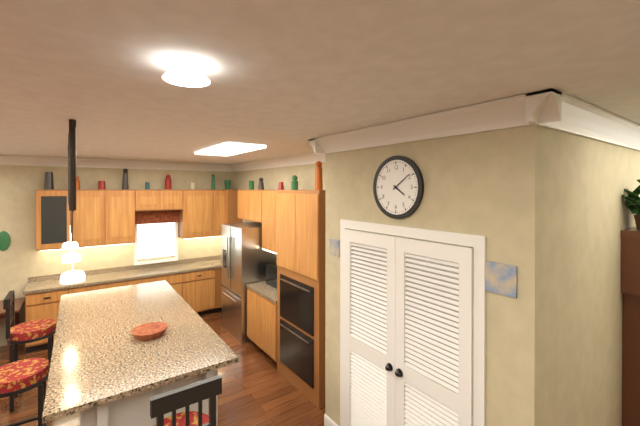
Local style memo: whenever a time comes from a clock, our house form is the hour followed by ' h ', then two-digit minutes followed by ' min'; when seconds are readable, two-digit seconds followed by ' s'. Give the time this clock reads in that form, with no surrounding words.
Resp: 4 h 09 min
